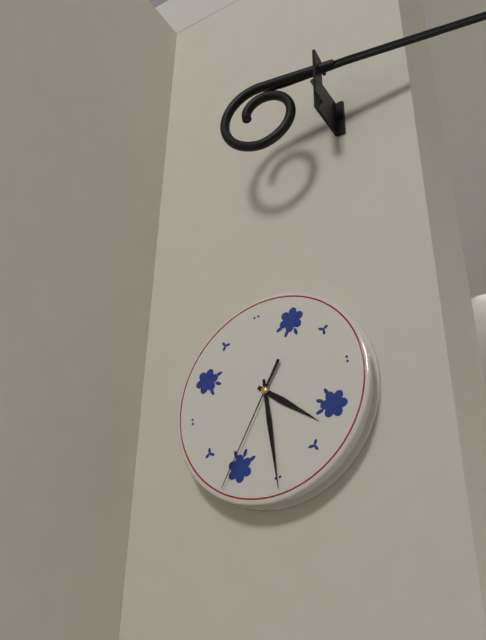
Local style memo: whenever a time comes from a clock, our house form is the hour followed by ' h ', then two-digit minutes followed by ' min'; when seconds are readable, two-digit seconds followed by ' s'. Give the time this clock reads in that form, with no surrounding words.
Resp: 4 h 30 min 36 s
